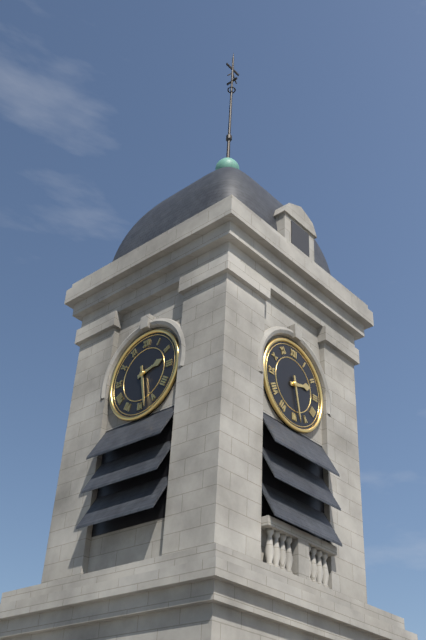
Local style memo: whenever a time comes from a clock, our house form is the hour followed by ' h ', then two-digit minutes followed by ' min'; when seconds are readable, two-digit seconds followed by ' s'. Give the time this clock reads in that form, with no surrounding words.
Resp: 2 h 28 min
